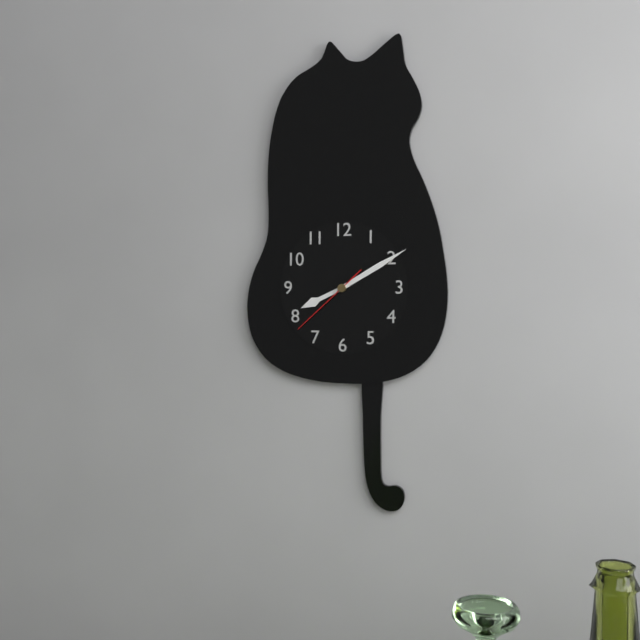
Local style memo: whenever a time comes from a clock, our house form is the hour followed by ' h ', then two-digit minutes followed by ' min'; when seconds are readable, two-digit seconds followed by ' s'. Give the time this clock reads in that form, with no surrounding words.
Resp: 8 h 10 min 38 s
